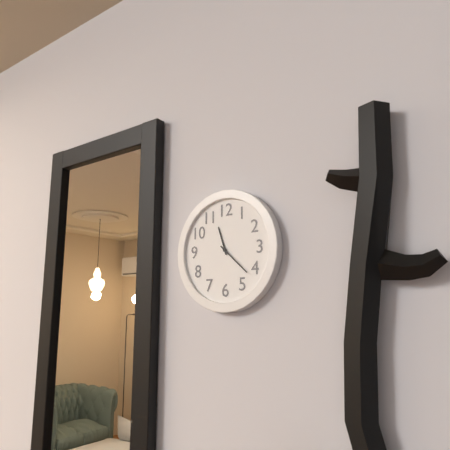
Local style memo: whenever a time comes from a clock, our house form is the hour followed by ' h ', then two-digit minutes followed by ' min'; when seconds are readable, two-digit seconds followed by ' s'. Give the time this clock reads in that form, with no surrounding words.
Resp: 11 h 22 min
